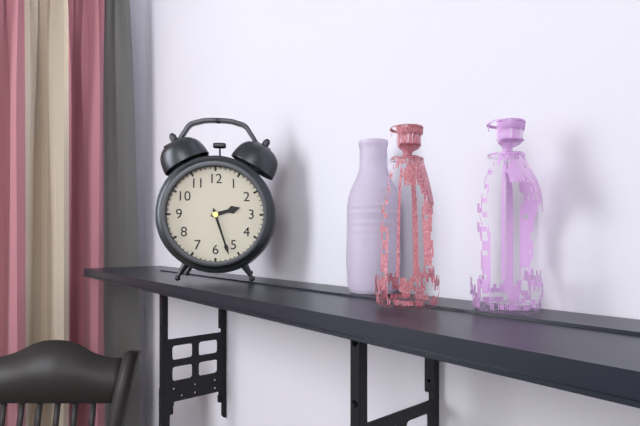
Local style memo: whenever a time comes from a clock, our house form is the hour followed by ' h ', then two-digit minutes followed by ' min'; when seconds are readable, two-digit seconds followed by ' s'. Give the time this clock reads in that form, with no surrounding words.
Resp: 2 h 27 min
